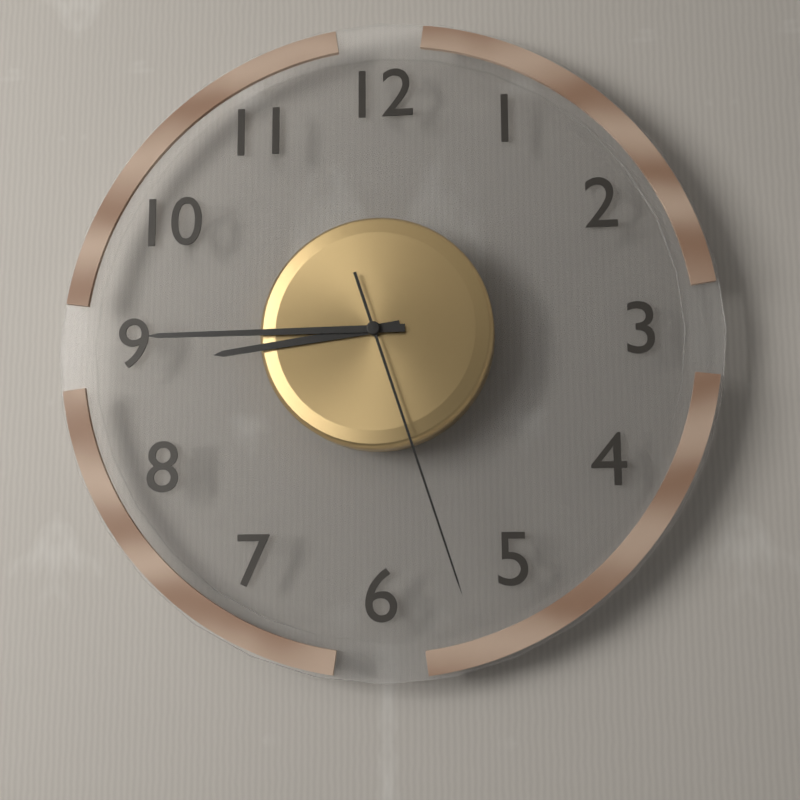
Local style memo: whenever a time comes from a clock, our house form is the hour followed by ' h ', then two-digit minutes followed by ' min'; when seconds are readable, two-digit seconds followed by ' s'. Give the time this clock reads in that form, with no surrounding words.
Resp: 8 h 45 min 27 s
